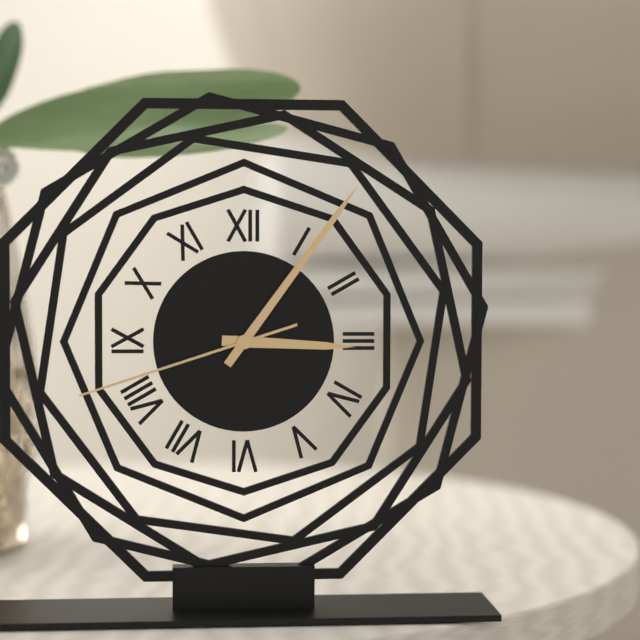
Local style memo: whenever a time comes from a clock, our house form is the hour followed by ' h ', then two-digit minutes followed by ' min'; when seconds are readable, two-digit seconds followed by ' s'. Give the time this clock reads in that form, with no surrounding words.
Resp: 3 h 06 min 42 s
